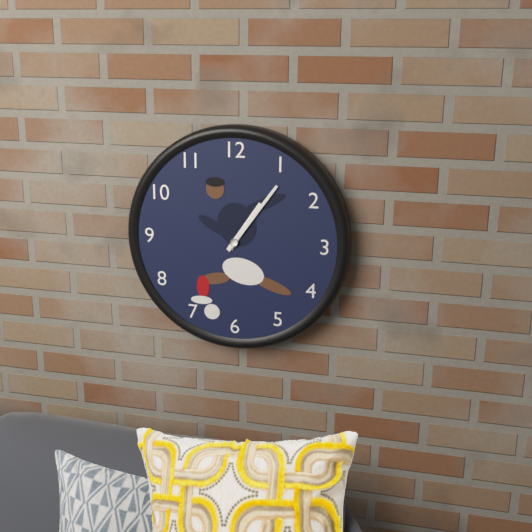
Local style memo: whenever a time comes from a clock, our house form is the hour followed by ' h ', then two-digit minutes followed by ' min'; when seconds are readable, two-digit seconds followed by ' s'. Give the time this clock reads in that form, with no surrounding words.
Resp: 1 h 06 min
